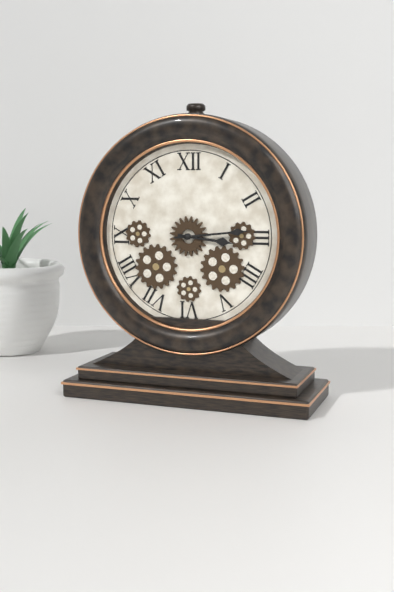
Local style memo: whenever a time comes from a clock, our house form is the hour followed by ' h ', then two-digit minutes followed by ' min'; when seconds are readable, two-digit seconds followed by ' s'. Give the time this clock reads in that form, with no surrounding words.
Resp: 3 h 14 min
